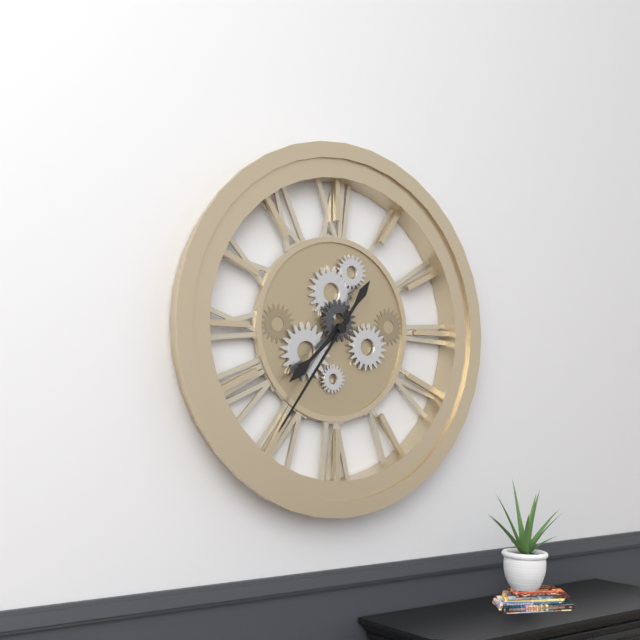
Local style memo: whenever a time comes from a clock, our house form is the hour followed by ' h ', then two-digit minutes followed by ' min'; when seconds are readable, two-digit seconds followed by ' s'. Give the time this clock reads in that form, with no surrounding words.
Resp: 7 h 36 min
